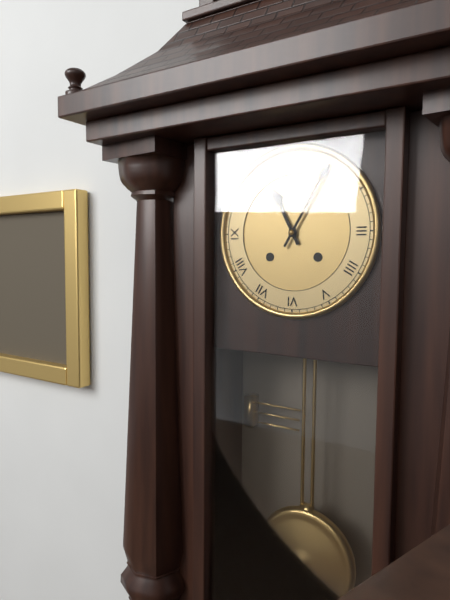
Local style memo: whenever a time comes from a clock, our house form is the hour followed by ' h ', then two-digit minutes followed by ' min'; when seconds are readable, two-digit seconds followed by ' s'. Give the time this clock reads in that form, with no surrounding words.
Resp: 11 h 05 min
